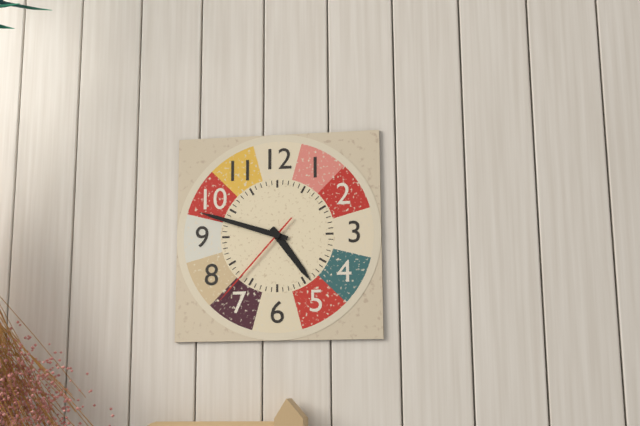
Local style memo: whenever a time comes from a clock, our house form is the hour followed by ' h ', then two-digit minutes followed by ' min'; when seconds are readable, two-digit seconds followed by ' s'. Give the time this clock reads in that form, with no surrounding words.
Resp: 4 h 48 min 37 s
